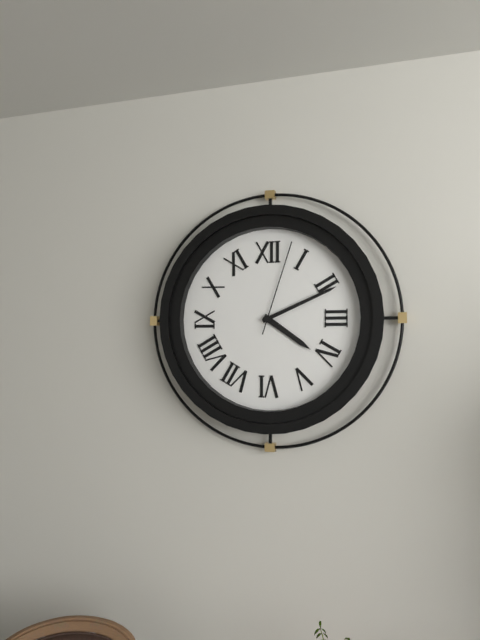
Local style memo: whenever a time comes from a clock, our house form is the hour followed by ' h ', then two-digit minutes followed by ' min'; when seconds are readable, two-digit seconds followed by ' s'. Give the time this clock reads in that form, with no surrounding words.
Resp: 4 h 11 min 03 s
